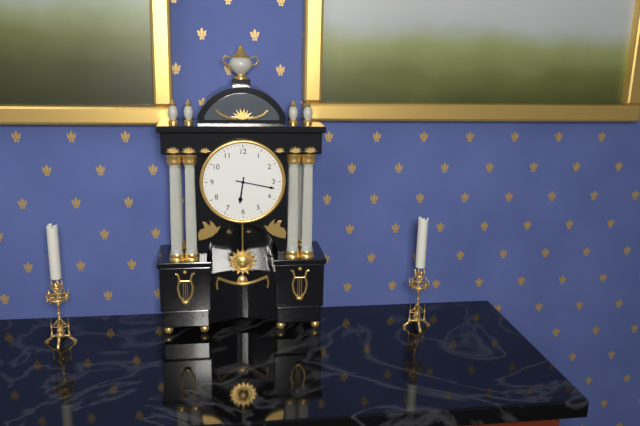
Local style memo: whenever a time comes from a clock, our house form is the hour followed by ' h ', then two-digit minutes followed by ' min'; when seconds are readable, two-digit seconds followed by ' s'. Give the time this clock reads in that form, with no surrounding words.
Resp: 6 h 17 min
